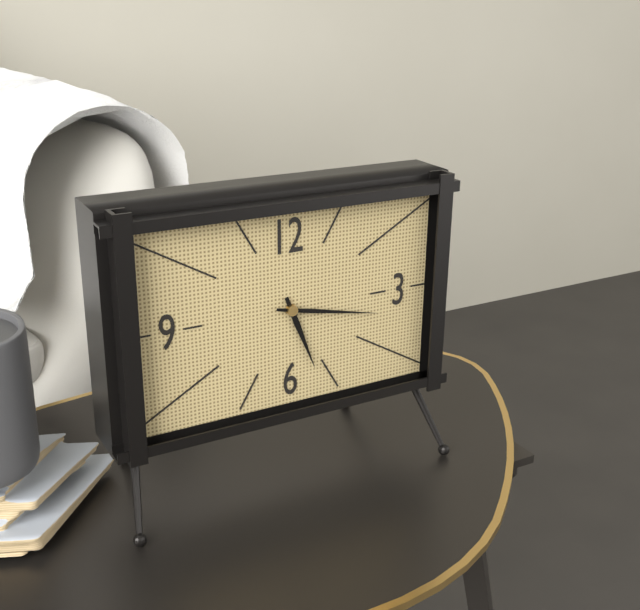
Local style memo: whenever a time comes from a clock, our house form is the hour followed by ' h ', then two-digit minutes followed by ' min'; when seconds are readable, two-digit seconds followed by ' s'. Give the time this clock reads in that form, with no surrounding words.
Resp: 5 h 17 min
